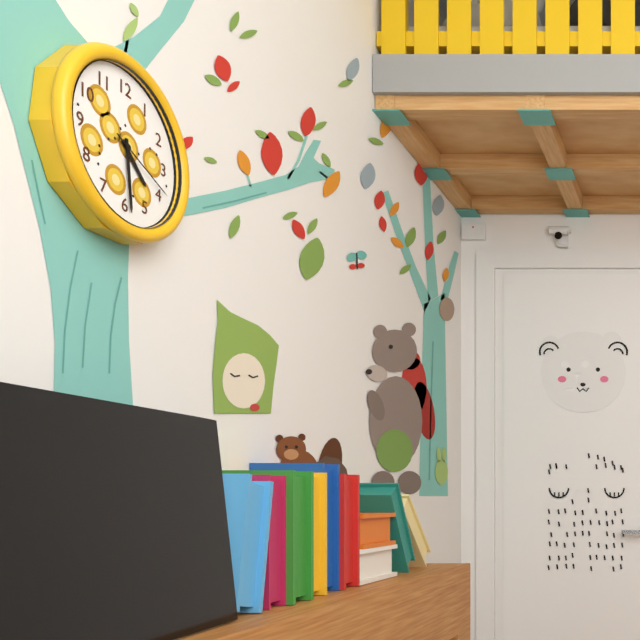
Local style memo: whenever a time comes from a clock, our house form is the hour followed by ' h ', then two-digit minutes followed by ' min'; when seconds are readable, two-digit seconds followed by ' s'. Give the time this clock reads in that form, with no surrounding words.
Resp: 4 h 29 min 19 s
